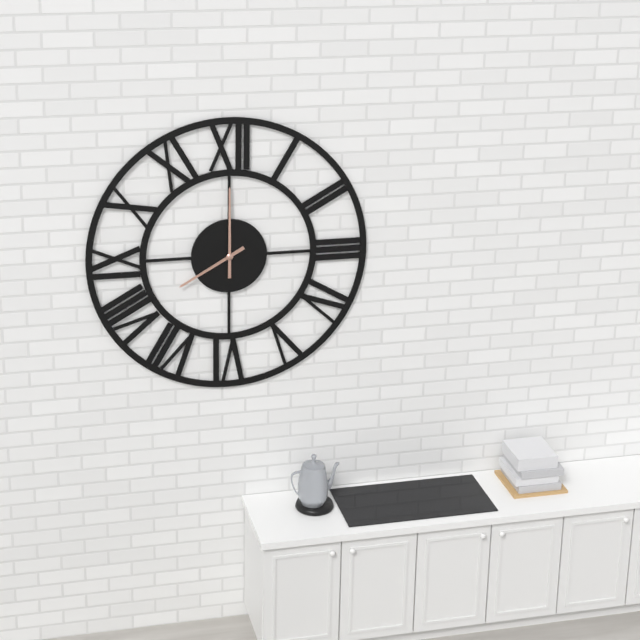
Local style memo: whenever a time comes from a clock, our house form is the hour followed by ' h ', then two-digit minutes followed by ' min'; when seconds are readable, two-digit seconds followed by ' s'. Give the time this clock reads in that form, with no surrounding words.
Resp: 8 h 00 min
